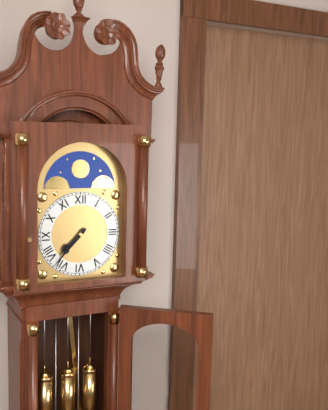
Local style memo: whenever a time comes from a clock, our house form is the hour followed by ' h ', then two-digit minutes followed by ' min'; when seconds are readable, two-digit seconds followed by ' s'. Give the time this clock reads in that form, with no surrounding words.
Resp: 7 h 37 min
